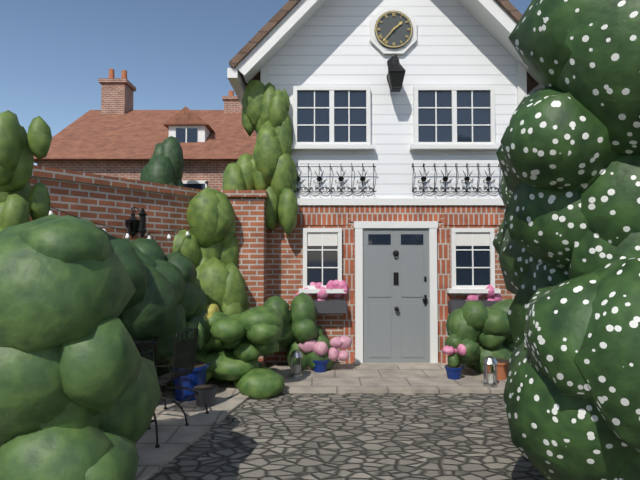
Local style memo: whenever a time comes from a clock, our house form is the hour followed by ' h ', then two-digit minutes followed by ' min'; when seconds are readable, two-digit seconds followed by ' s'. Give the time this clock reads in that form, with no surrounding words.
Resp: 1 h 37 min
